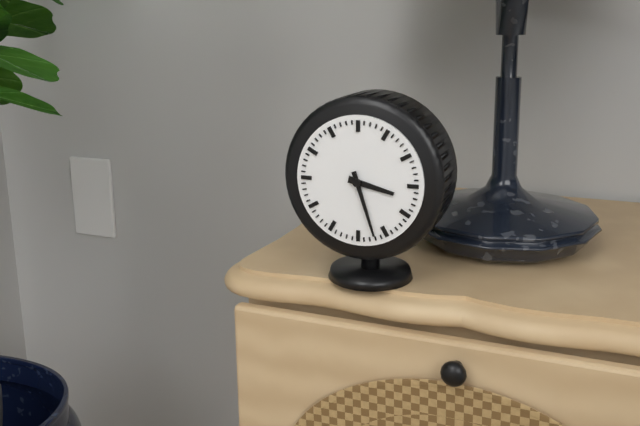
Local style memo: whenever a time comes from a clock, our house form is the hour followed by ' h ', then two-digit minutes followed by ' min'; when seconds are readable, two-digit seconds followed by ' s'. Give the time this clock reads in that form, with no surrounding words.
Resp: 3 h 27 min
